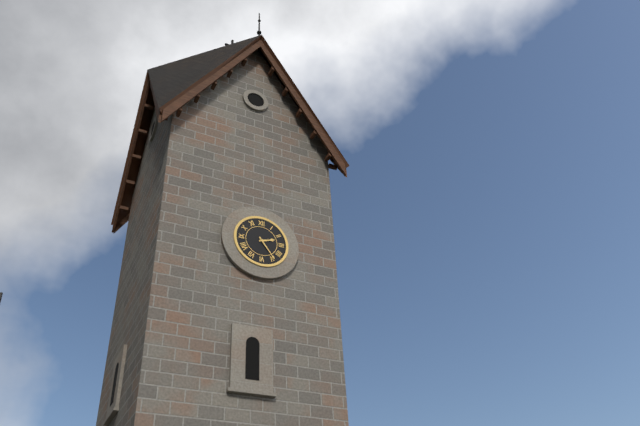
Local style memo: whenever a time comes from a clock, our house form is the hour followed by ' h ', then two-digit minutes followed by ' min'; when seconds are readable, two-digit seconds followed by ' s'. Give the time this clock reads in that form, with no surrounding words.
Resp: 2 h 24 min
